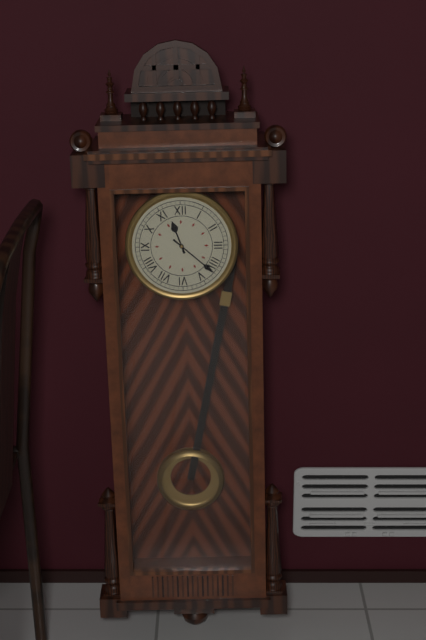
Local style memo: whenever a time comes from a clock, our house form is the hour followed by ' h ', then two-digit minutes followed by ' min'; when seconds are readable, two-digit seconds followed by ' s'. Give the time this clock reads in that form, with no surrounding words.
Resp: 11 h 22 min
